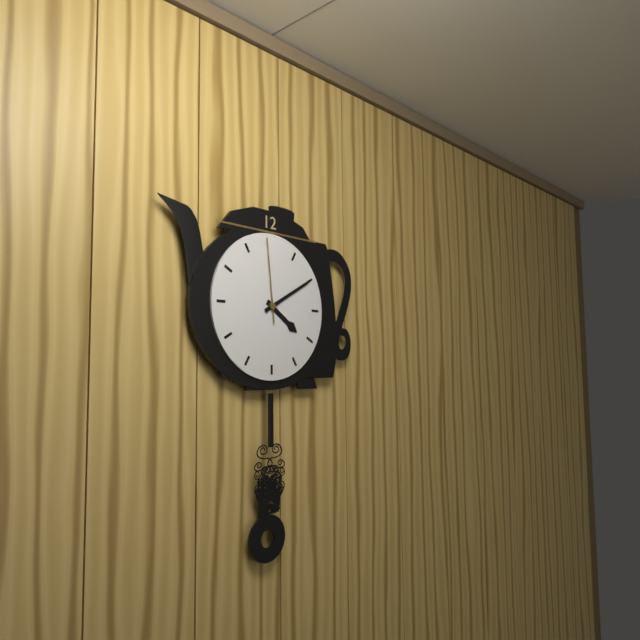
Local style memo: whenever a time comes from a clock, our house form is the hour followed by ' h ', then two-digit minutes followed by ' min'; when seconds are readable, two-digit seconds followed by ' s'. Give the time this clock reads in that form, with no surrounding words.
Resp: 4 h 10 min 59 s
